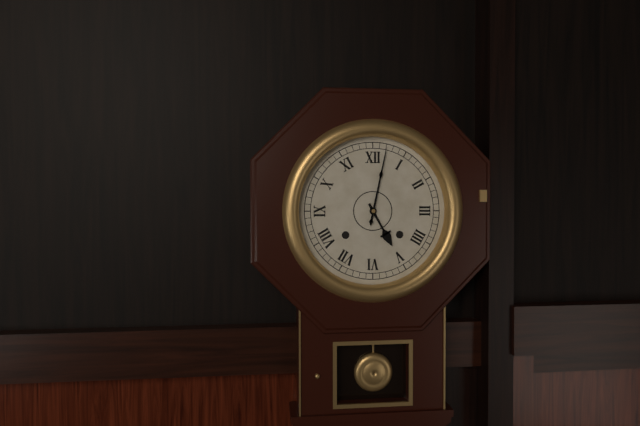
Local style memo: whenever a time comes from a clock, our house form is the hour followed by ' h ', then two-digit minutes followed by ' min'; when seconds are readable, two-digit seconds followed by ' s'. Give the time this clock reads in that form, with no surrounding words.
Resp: 5 h 02 min
